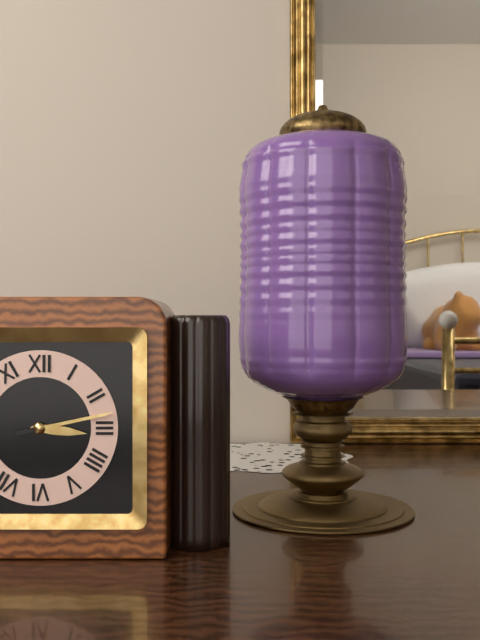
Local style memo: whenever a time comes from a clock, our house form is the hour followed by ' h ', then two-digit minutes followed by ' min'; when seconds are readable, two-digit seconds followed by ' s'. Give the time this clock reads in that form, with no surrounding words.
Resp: 3 h 13 min
